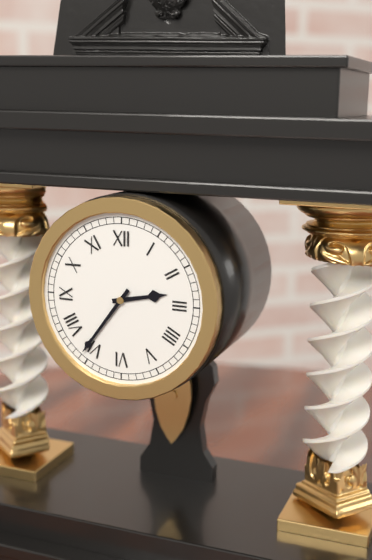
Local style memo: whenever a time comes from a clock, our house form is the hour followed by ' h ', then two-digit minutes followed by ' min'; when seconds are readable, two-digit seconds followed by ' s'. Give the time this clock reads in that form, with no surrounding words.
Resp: 2 h 36 min
